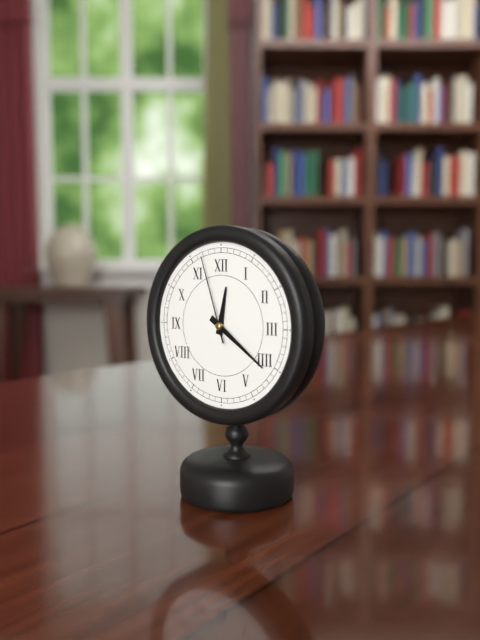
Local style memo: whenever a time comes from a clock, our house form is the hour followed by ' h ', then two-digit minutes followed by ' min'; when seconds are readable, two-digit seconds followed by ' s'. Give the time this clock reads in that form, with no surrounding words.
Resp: 12 h 21 min 57 s
